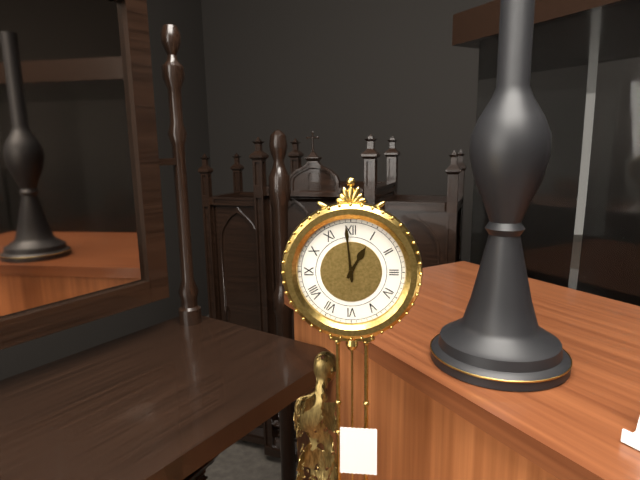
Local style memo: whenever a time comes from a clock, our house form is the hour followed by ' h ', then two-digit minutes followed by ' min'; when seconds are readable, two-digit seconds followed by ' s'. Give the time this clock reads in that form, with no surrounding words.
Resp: 12 h 59 min
